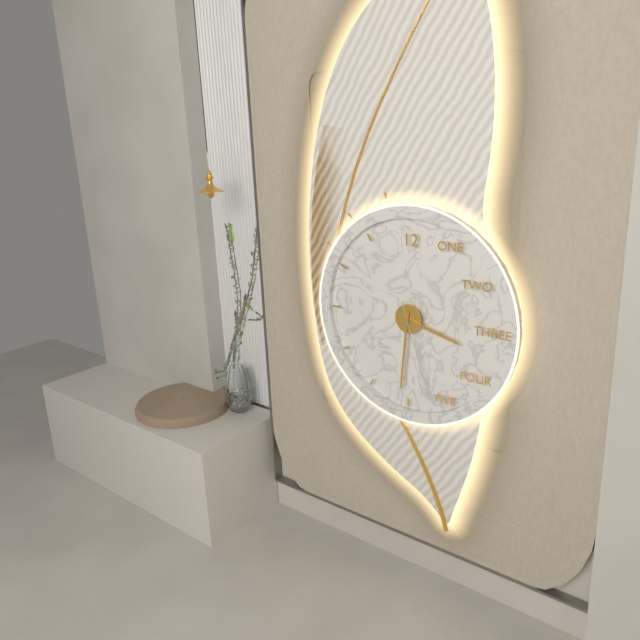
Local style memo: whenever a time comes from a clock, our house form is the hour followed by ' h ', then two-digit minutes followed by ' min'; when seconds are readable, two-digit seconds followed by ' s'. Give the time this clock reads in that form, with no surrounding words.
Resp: 3 h 31 min 27 s
